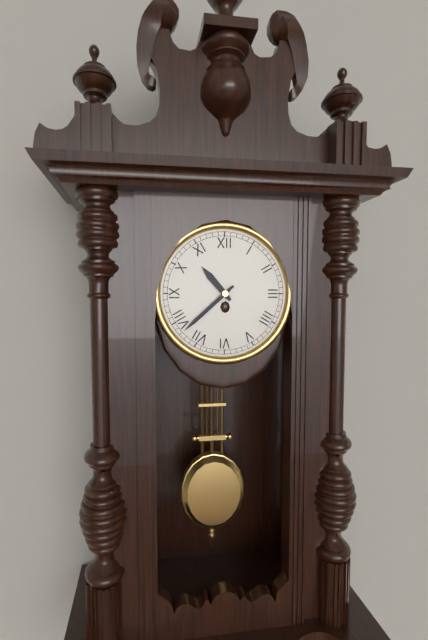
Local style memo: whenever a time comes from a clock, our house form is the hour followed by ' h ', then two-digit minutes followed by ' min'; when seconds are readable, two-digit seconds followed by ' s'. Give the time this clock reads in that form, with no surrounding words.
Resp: 10 h 38 min
